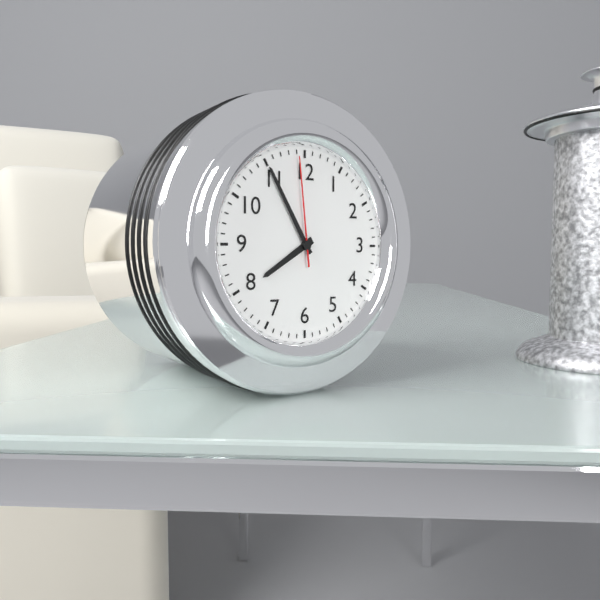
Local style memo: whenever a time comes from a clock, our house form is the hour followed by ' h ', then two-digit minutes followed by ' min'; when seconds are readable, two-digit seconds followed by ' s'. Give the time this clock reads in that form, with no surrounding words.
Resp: 7 h 55 min 59 s
